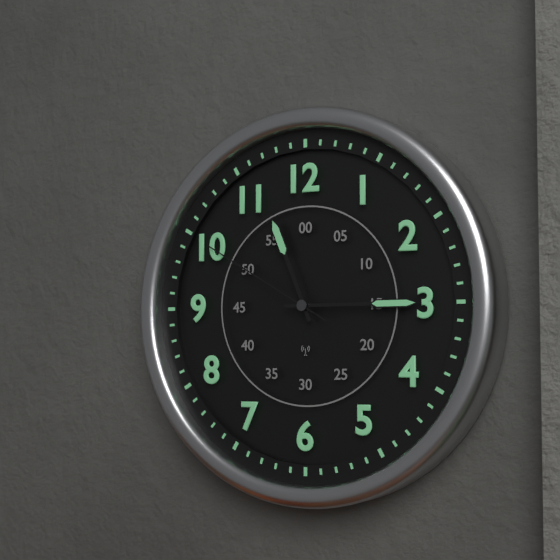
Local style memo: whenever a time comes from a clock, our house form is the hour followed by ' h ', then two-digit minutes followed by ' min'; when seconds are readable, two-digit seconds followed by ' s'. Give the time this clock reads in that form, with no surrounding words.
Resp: 11 h 15 min 50 s
